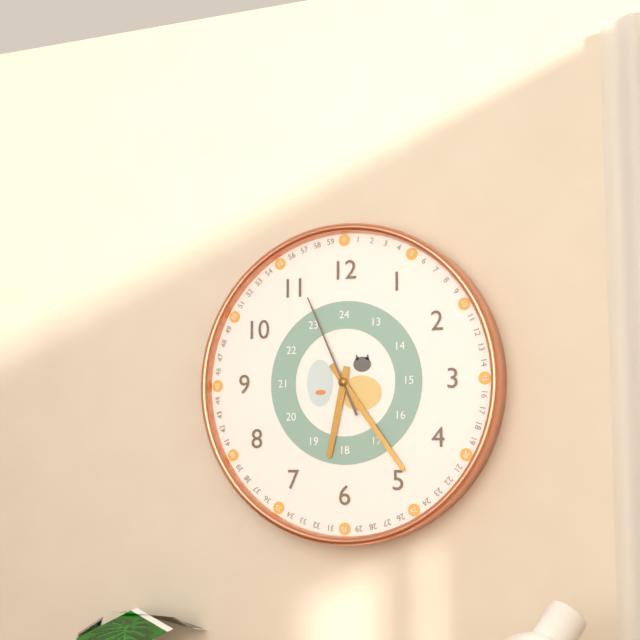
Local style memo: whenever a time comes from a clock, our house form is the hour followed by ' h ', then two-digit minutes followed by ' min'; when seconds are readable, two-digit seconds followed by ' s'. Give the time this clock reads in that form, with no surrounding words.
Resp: 6 h 24 min 56 s
